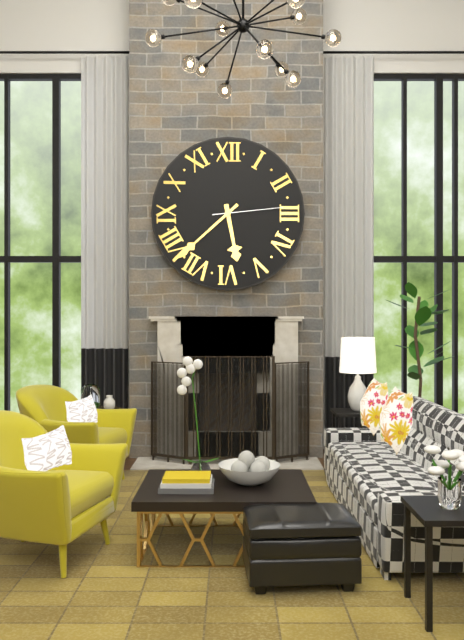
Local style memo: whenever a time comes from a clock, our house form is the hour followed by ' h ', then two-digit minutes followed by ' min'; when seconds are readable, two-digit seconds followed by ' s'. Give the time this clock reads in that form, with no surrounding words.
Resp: 5 h 38 min 14 s
